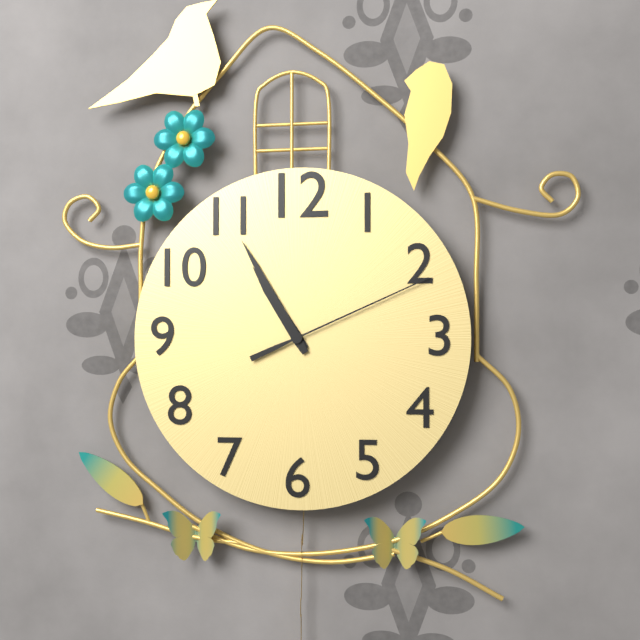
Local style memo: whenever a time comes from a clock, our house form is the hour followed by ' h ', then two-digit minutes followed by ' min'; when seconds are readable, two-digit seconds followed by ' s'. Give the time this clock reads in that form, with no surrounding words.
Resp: 10 h 55 min 11 s
